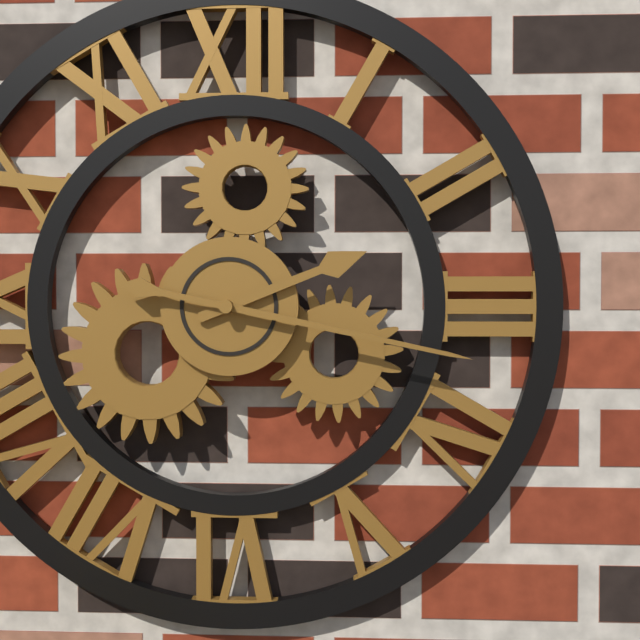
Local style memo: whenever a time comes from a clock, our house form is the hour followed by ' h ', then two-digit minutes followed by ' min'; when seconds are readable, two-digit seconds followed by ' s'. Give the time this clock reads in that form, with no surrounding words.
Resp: 2 h 17 min
